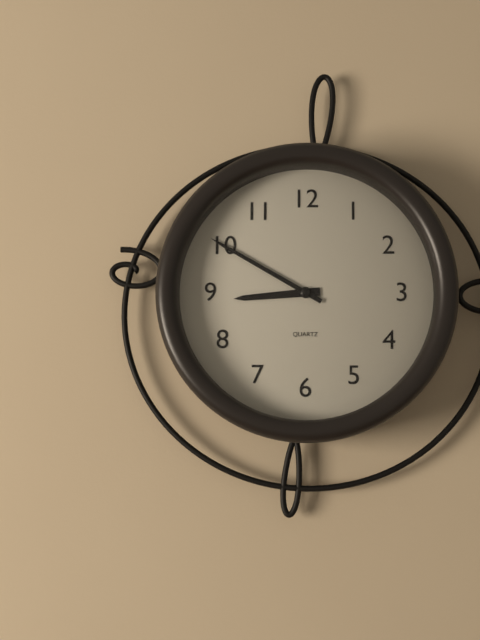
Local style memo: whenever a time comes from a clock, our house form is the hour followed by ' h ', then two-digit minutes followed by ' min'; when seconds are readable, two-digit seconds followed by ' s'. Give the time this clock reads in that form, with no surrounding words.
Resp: 8 h 50 min
